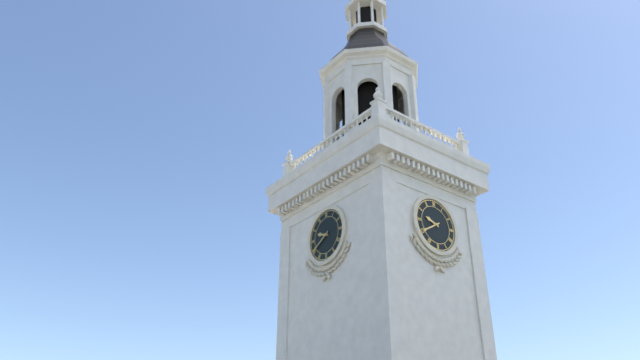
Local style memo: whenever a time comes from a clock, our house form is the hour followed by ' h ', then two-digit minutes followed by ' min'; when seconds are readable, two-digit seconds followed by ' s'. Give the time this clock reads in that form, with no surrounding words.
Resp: 9 h 40 min
